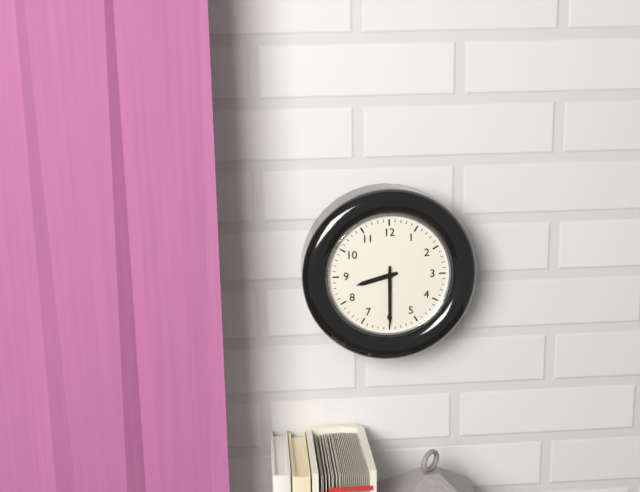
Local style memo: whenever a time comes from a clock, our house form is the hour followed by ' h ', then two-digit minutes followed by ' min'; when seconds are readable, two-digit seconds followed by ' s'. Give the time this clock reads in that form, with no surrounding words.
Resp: 8 h 30 min
